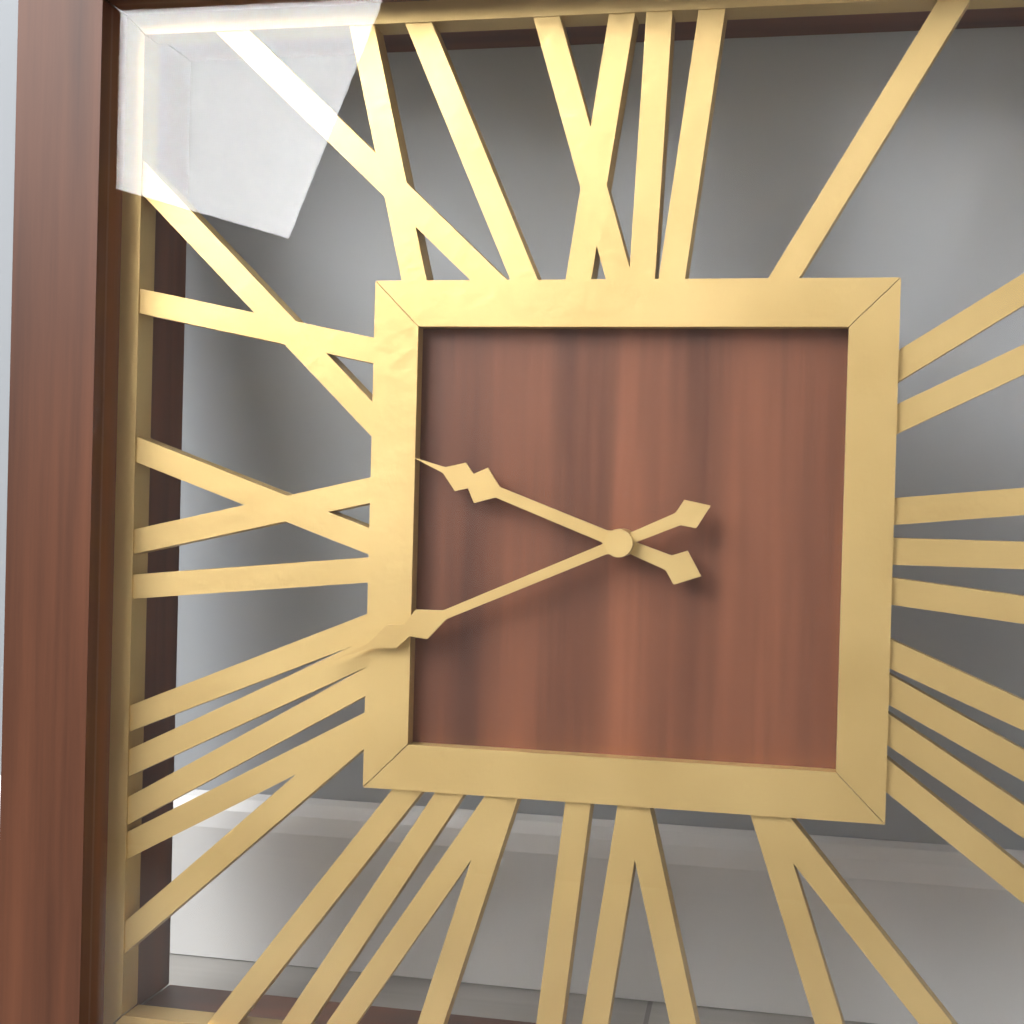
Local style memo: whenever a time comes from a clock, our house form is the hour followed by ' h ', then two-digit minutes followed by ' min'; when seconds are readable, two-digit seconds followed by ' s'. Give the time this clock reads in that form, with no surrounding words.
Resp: 9 h 41 min
